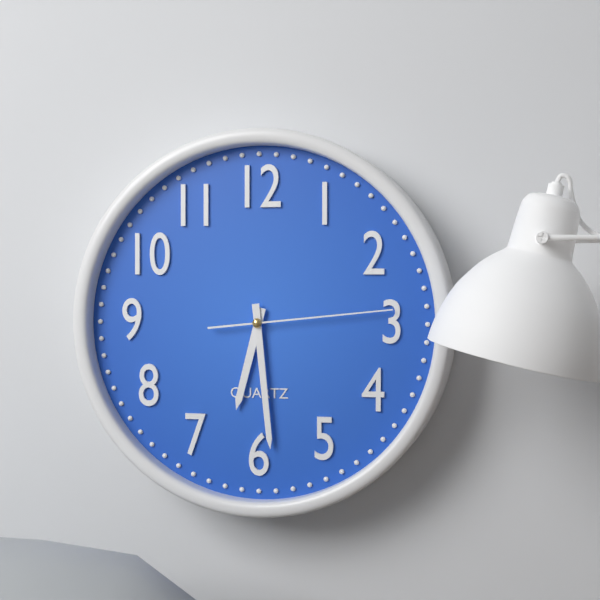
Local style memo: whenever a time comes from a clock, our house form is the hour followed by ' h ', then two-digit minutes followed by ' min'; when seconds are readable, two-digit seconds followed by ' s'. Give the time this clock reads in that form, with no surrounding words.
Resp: 6 h 29 min 14 s
